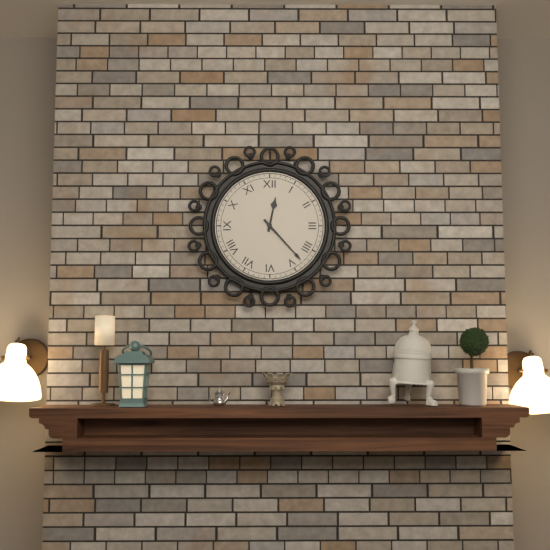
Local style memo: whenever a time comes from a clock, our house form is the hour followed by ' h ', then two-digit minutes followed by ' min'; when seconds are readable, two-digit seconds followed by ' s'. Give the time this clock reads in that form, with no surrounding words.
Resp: 12 h 23 min
